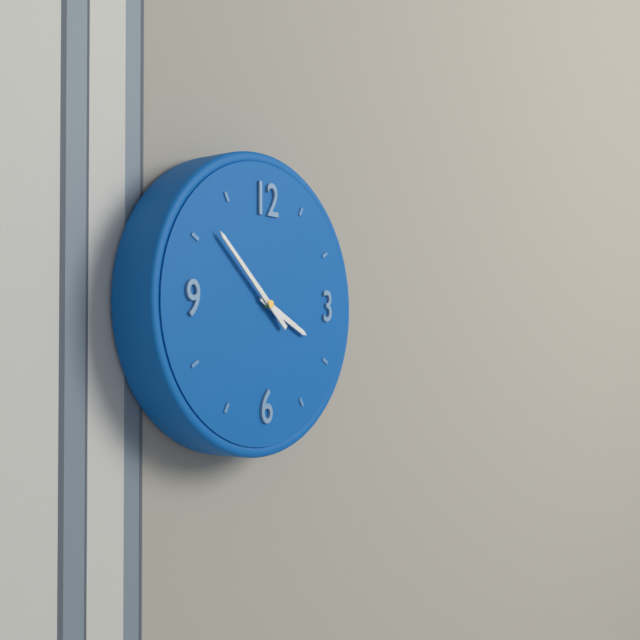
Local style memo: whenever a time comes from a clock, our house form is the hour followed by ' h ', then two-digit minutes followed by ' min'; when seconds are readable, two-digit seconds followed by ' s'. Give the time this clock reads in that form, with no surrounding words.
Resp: 3 h 52 min
